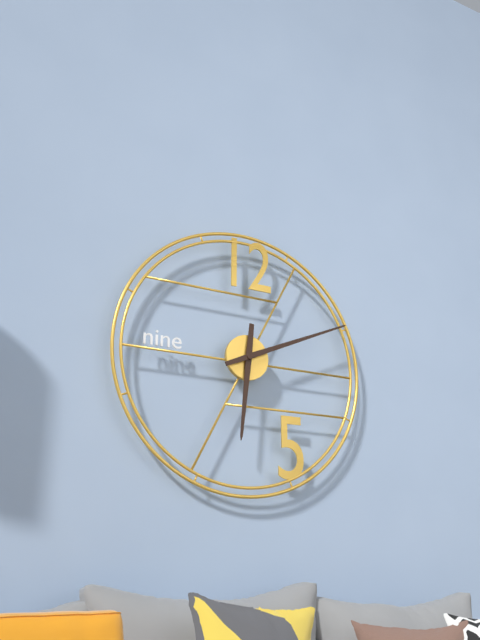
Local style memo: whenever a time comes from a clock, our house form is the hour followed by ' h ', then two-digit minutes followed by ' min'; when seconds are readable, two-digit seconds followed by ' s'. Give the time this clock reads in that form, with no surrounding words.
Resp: 6 h 11 min
